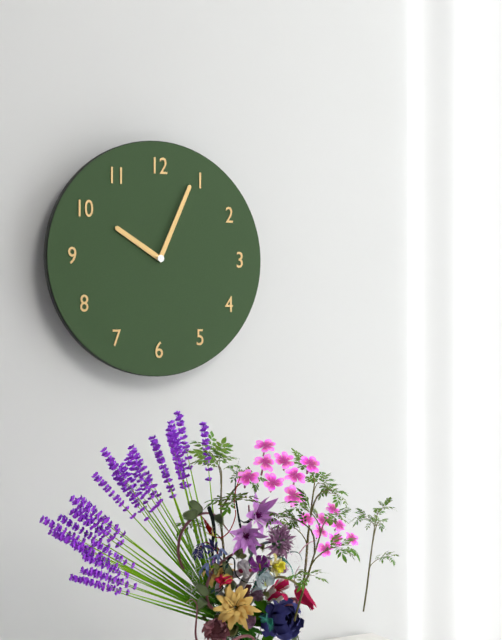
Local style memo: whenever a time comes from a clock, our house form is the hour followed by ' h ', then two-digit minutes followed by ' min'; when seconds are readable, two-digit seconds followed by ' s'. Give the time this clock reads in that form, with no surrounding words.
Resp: 10 h 04 min
